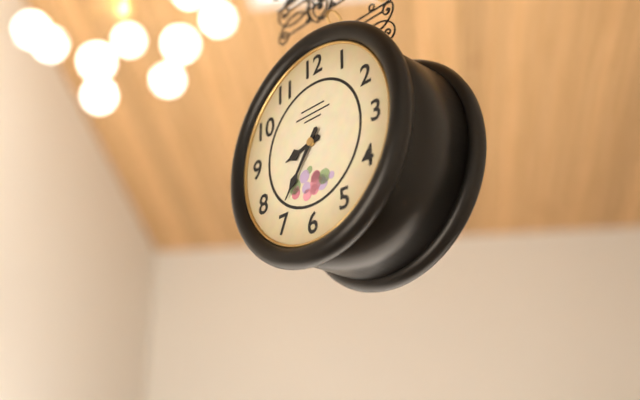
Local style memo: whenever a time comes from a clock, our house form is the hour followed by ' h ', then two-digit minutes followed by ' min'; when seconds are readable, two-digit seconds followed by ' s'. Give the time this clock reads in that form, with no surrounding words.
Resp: 8 h 36 min
